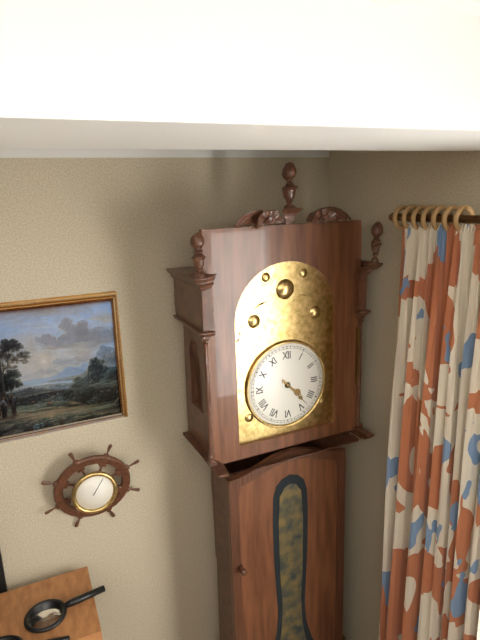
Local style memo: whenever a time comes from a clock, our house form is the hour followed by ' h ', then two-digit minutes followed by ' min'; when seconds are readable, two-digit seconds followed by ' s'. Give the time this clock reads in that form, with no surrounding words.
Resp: 4 h 23 min
